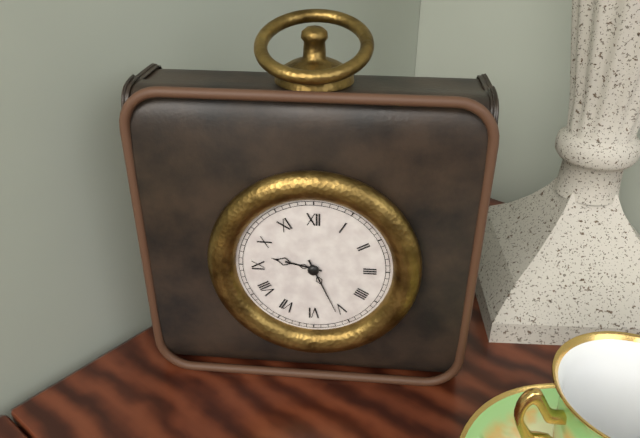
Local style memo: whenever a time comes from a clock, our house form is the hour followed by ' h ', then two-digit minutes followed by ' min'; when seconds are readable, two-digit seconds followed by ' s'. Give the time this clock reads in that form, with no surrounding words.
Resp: 9 h 26 min
